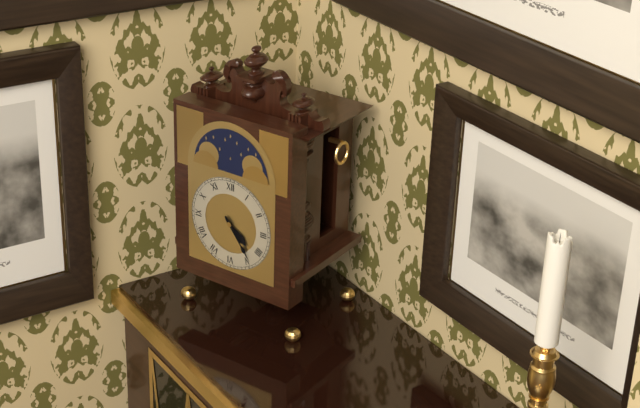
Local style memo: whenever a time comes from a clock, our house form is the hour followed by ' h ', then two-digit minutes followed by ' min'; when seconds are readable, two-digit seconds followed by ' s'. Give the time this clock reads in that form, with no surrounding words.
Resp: 4 h 24 min
